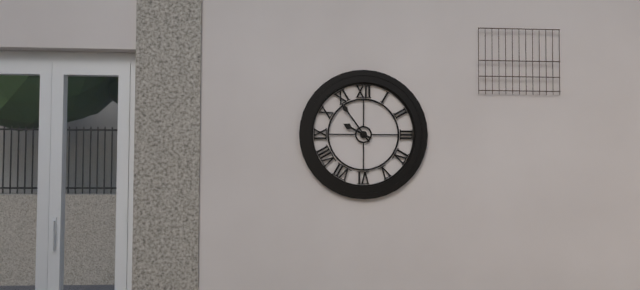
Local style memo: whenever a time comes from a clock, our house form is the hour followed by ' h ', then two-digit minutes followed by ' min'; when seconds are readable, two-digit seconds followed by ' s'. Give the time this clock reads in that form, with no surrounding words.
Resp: 9 h 54 min
